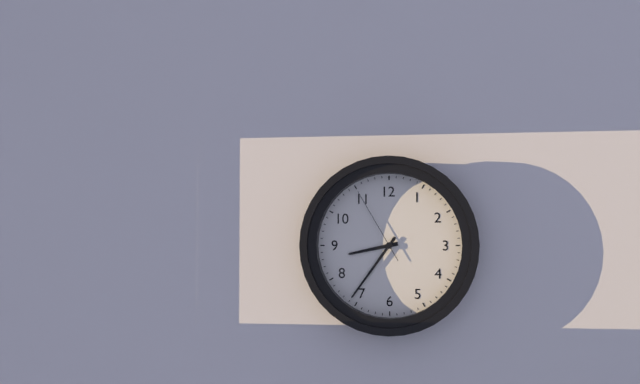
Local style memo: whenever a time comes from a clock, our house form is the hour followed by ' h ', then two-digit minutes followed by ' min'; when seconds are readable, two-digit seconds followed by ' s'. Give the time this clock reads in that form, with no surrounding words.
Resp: 8 h 36 min 55 s
